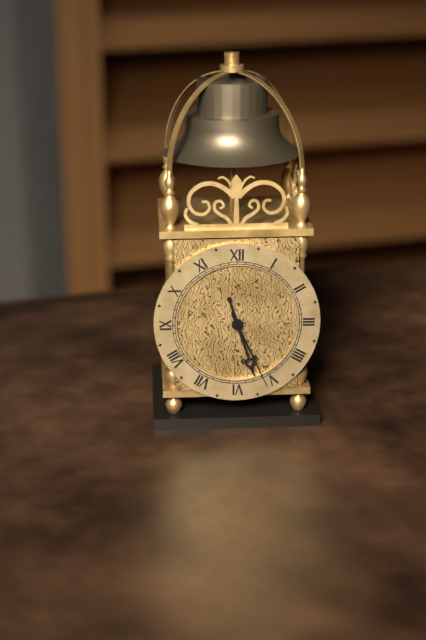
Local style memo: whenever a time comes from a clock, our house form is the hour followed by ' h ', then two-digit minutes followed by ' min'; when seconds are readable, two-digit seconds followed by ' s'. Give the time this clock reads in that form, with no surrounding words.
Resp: 5 h 26 min
